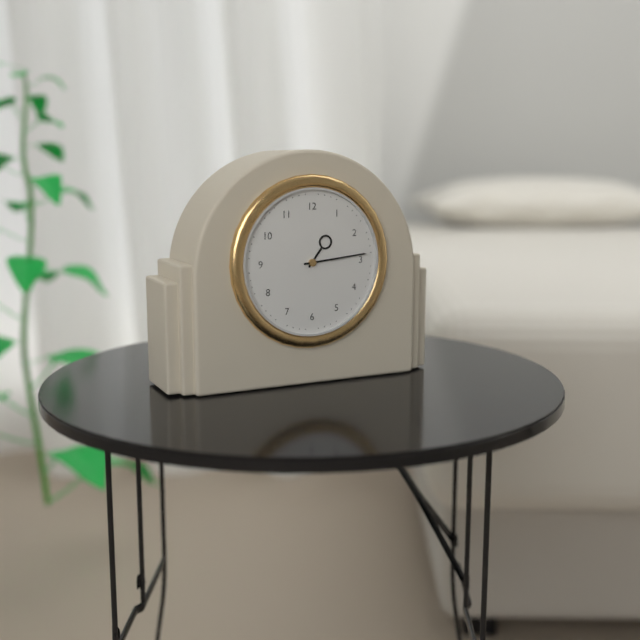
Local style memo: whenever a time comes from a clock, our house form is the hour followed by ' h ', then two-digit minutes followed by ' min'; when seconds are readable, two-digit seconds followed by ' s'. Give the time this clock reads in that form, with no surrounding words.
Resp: 1 h 14 min
